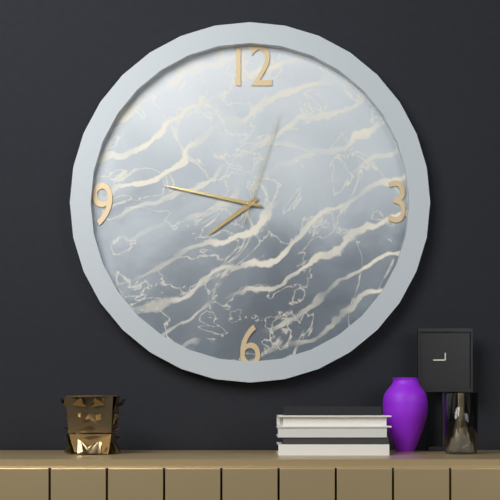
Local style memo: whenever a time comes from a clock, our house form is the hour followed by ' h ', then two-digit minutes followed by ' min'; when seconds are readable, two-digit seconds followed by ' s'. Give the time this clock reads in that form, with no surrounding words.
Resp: 7 h 47 min 03 s
